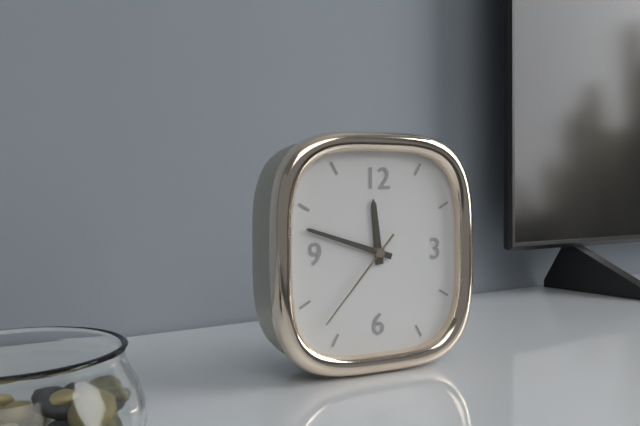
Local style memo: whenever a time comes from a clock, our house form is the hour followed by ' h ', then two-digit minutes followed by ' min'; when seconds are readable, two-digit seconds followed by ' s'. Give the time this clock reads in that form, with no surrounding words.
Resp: 11 h 48 min 37 s
